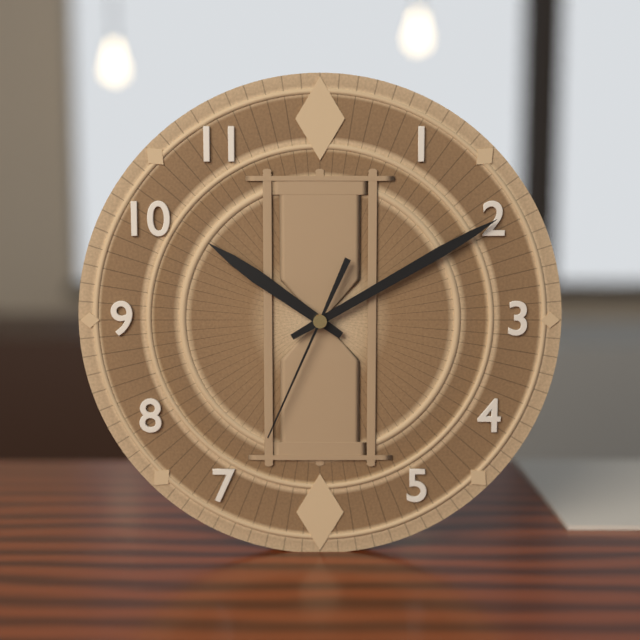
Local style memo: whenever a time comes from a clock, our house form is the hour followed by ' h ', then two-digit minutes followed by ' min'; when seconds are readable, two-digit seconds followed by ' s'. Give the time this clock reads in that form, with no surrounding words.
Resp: 10 h 10 min 34 s
